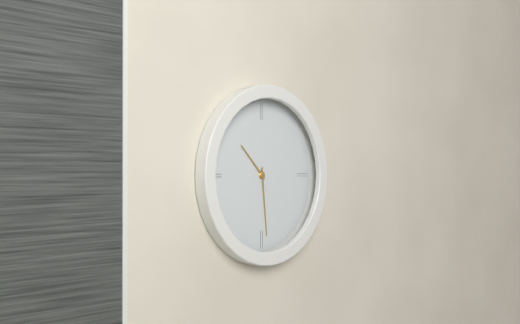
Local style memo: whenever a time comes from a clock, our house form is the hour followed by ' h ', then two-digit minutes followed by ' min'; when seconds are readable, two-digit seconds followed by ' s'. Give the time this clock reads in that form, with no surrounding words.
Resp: 10 h 29 min
